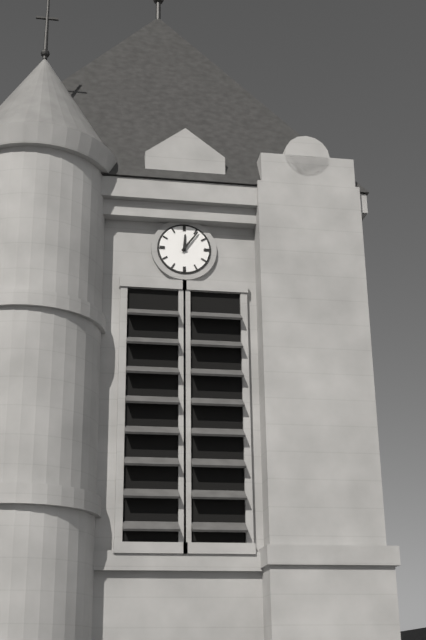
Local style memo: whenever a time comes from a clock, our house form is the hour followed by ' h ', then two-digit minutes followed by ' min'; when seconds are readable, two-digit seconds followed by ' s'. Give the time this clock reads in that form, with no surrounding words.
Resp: 12 h 06 min
